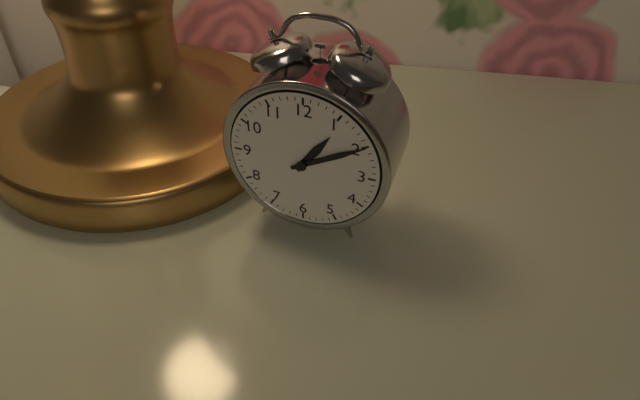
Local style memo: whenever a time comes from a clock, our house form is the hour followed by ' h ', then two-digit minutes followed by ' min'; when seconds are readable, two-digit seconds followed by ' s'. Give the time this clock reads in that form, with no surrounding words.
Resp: 1 h 10 min
